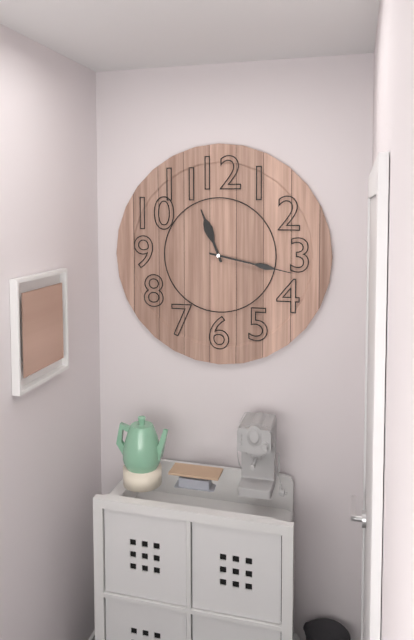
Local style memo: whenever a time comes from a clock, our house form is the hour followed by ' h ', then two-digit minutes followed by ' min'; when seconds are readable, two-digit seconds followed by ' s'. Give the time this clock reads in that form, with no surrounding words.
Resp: 11 h 17 min
